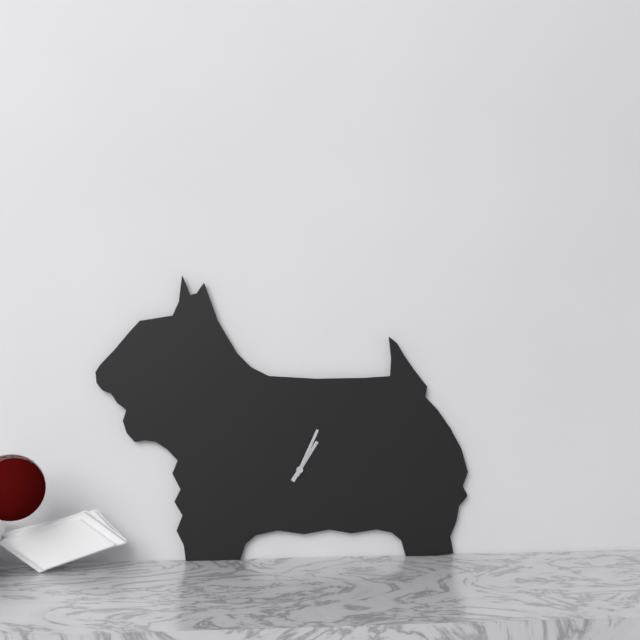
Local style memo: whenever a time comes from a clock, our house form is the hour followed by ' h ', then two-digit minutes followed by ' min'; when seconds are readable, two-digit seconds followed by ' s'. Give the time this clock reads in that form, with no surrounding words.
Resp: 1 h 04 min
